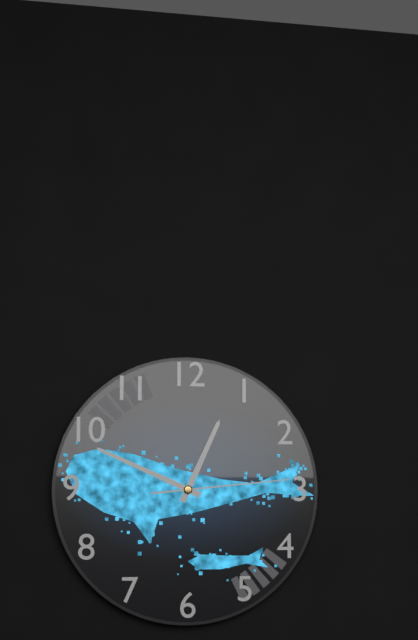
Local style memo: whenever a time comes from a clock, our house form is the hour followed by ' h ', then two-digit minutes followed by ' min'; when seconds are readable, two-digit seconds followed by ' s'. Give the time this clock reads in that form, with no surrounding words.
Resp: 12 h 49 min 14 s
